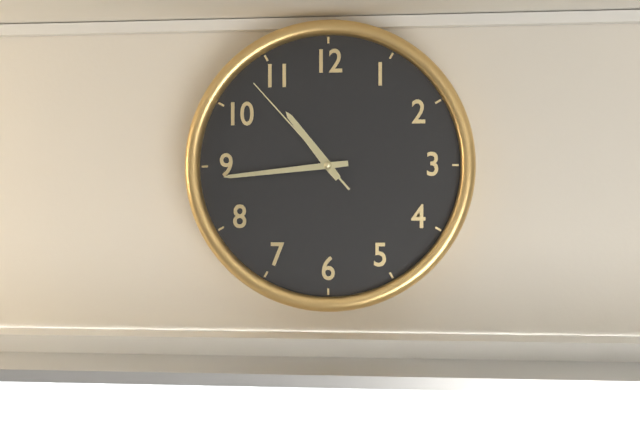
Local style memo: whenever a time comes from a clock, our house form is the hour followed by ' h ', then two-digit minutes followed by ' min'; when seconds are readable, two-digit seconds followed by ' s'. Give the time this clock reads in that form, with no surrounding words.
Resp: 10 h 44 min 53 s
